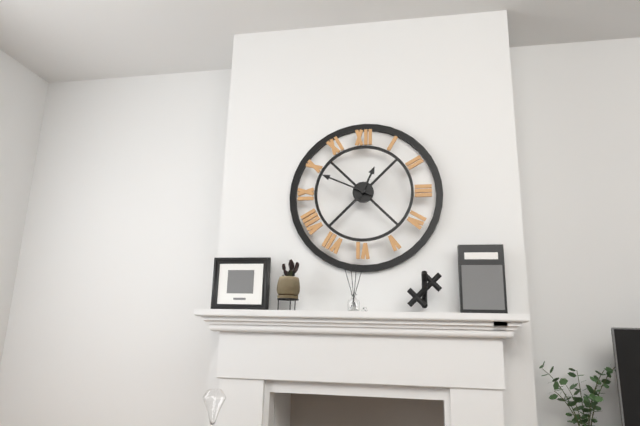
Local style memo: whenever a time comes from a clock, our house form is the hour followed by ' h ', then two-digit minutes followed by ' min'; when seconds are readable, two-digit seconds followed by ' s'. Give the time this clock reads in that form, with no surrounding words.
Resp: 12 h 49 min
